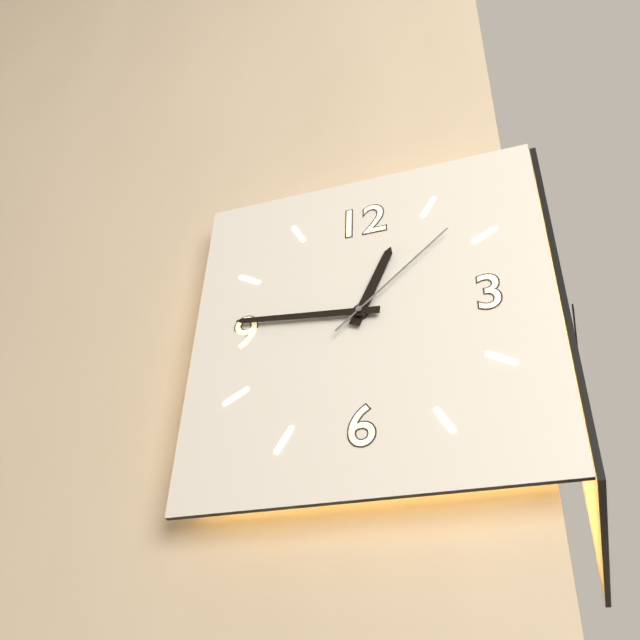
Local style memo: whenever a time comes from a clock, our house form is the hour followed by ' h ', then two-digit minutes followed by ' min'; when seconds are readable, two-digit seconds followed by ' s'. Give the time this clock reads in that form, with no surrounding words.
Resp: 12 h 46 min 08 s
